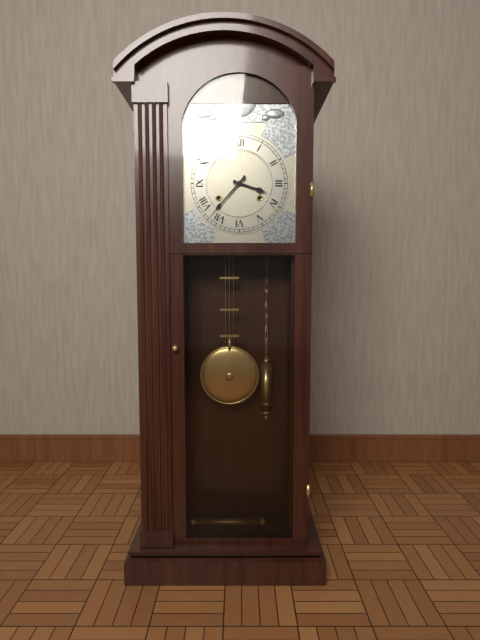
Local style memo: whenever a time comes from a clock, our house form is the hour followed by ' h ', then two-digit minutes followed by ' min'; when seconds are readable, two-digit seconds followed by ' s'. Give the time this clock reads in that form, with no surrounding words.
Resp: 3 h 37 min
